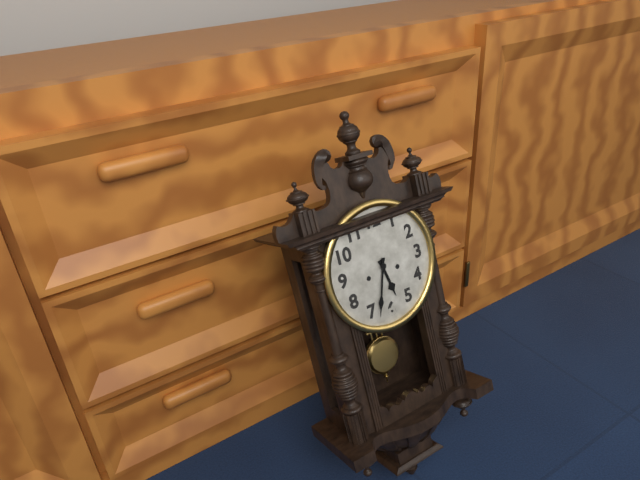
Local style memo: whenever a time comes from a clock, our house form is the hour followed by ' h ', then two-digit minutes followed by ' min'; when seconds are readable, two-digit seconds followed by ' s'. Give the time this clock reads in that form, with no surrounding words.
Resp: 5 h 33 min
